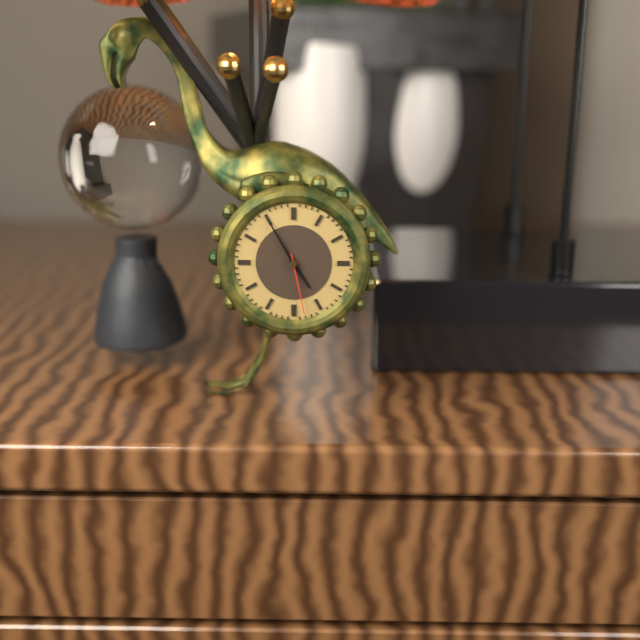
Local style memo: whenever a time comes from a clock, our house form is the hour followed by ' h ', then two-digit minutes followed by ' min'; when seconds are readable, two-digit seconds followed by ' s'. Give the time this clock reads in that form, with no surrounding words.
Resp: 4 h 55 min 28 s
